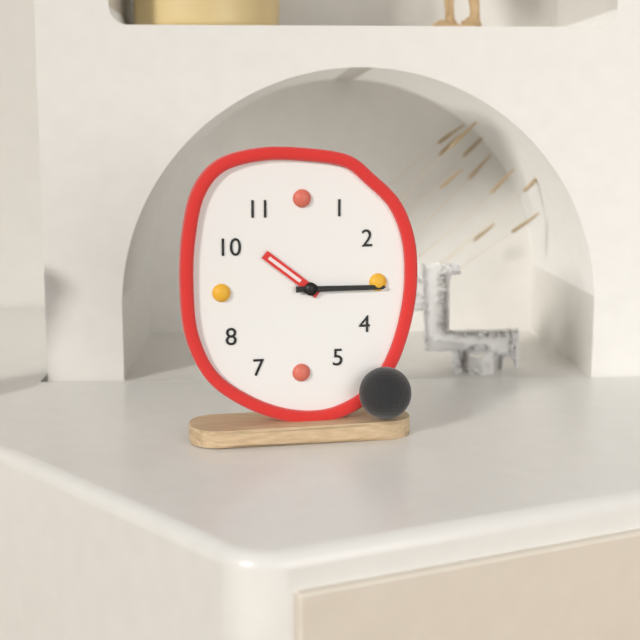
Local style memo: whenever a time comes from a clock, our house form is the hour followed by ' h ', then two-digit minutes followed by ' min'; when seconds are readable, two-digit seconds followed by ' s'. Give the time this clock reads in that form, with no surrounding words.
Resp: 10 h 15 min
